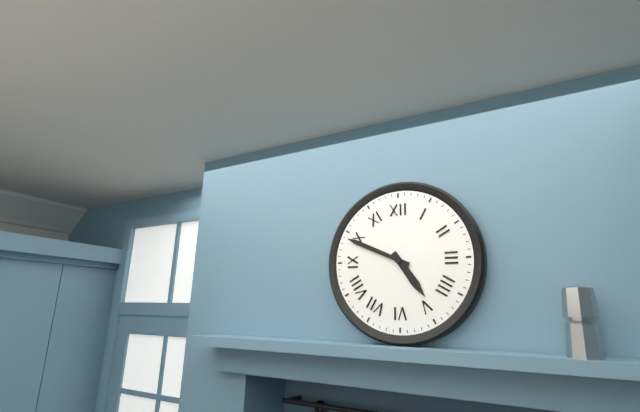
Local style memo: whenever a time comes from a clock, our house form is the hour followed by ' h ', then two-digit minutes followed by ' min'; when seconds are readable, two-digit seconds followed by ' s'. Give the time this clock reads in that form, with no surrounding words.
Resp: 4 h 49 min
